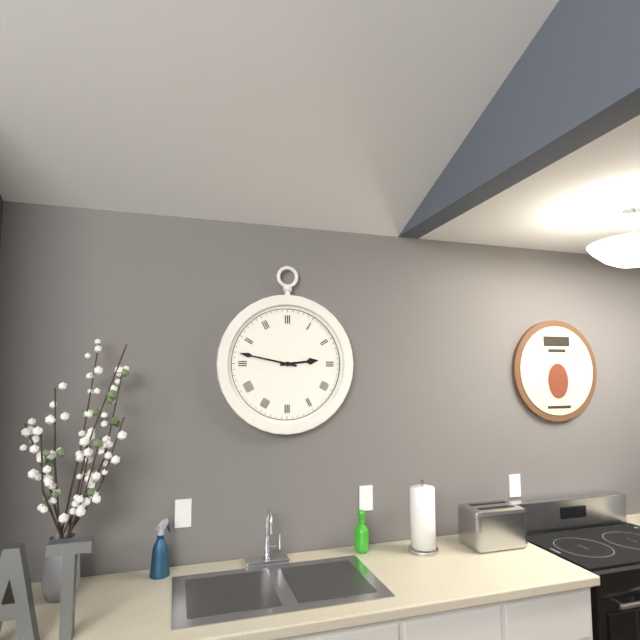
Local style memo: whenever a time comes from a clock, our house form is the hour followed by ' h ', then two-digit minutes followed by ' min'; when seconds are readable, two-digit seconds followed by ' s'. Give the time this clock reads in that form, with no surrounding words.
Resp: 2 h 47 min
